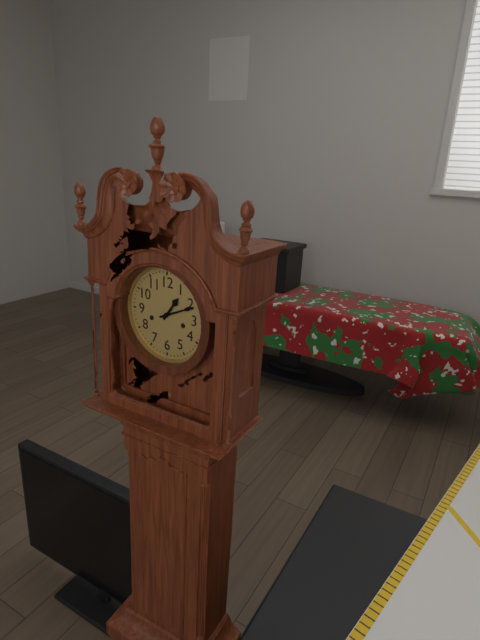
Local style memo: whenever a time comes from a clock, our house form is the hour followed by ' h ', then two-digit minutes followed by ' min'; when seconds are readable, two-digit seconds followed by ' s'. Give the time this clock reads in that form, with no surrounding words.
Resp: 1 h 11 min
